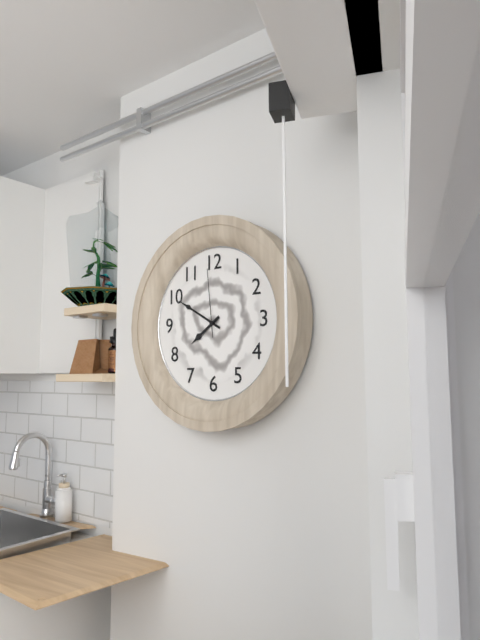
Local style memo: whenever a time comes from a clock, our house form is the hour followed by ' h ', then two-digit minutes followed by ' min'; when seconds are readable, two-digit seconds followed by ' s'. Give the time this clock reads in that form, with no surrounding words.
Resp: 7 h 50 min 59 s
